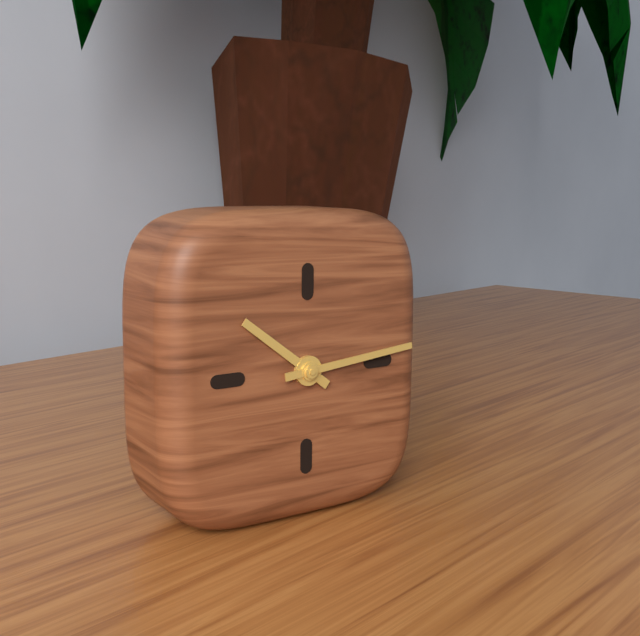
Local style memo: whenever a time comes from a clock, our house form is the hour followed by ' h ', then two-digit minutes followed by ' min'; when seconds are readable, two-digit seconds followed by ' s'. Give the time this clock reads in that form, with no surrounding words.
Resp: 10 h 14 min
